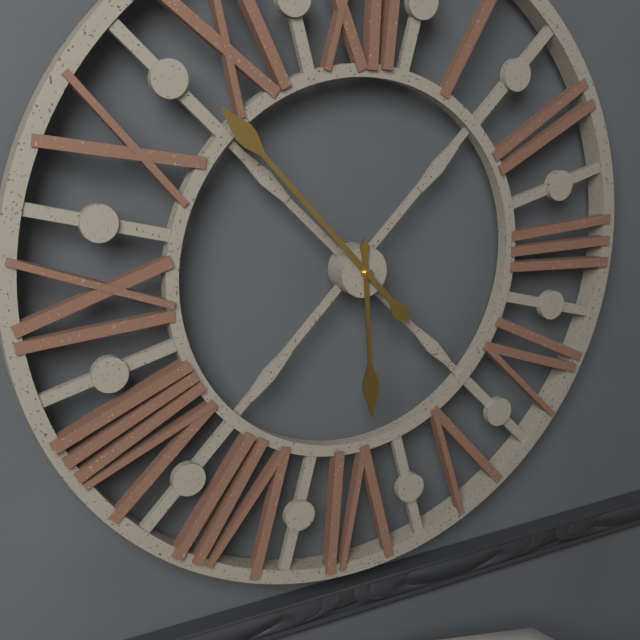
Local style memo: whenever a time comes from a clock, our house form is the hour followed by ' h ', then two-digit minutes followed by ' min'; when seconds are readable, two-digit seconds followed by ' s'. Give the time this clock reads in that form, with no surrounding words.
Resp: 5 h 53 min
